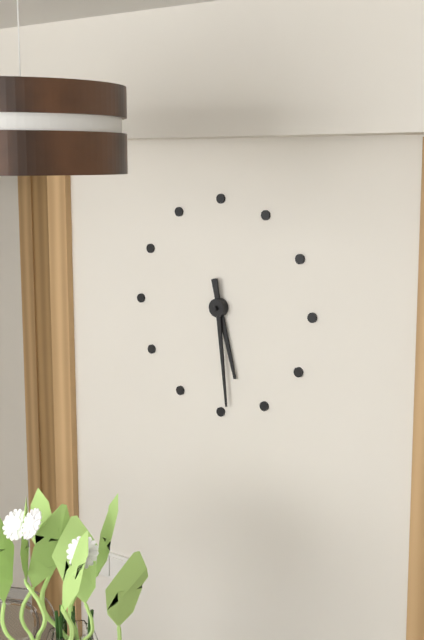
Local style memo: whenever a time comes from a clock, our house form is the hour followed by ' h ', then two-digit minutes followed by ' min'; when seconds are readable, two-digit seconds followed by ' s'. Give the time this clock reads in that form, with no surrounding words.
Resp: 5 h 29 min
